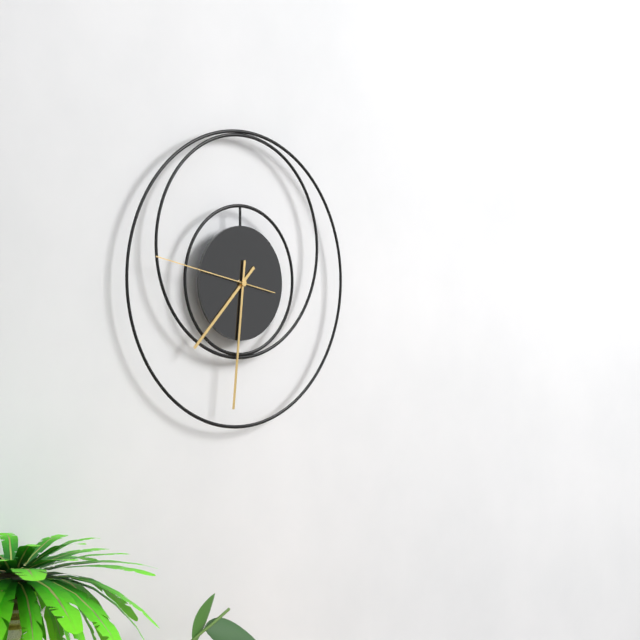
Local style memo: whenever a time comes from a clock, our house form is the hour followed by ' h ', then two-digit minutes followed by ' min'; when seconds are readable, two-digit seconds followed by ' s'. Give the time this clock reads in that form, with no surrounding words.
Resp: 7 h 31 min 47 s
